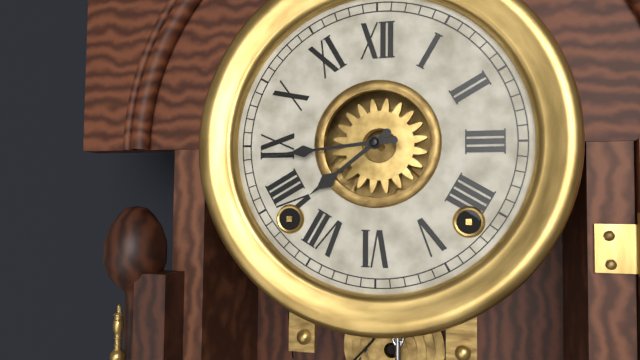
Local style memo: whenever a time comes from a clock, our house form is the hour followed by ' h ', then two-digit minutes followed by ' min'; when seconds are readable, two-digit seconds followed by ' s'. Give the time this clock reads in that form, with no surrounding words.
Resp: 7 h 44 min
